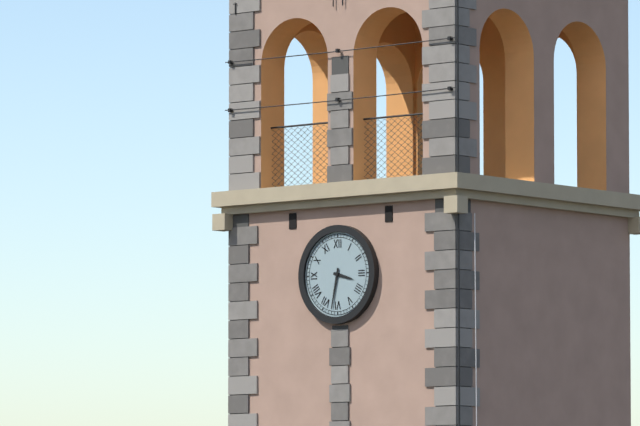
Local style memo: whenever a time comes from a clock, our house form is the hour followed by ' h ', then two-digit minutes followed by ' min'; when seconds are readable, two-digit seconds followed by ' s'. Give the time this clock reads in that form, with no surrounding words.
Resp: 3 h 32 min
